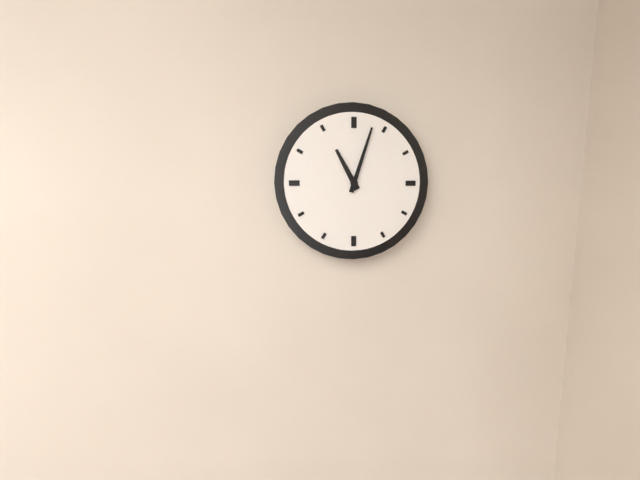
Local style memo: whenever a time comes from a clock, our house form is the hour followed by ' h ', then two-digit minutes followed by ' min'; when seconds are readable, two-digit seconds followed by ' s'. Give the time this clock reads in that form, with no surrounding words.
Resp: 11 h 03 min
